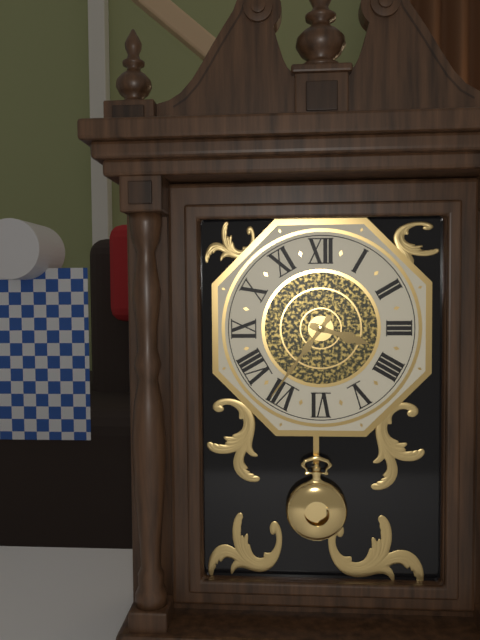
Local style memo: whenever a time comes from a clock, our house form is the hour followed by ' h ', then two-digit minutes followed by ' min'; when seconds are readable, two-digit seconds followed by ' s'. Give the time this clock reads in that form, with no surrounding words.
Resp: 3 h 36 min
